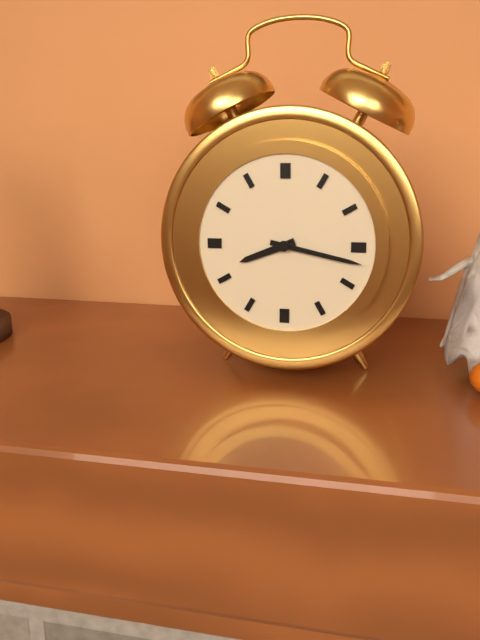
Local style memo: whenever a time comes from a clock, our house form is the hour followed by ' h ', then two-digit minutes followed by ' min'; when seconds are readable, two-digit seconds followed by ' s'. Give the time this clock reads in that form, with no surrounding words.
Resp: 8 h 17 min
